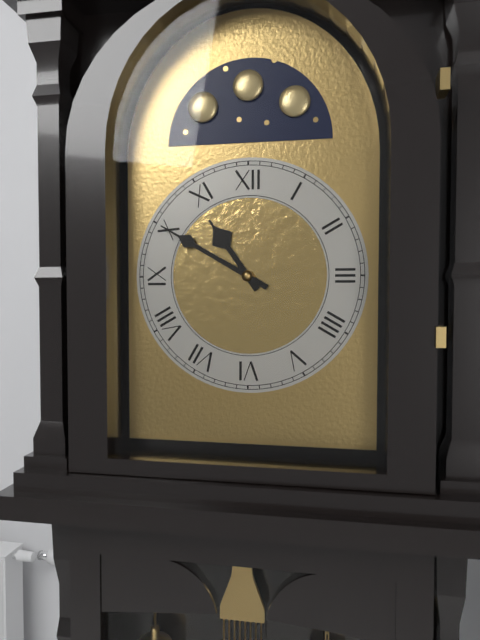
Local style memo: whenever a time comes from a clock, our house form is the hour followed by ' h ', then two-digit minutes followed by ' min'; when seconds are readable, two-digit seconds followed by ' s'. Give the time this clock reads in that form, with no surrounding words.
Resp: 10 h 50 min
